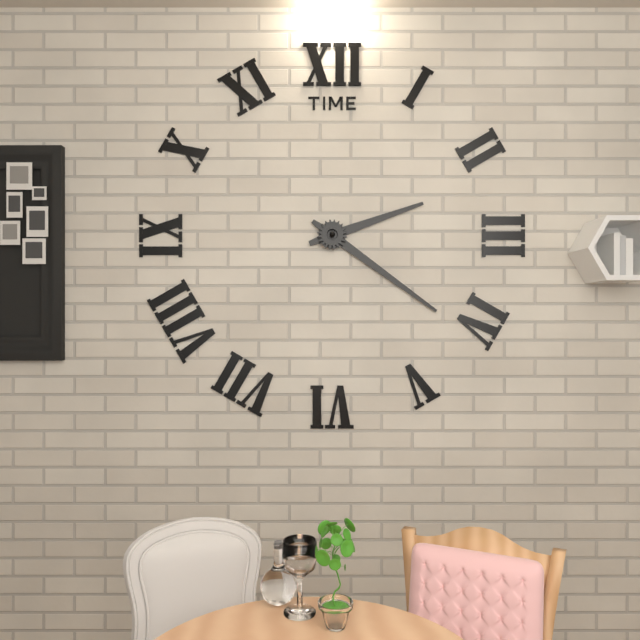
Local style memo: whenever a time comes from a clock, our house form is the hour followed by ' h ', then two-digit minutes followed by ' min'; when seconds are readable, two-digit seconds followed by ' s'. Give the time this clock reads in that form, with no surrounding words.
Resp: 2 h 21 min
